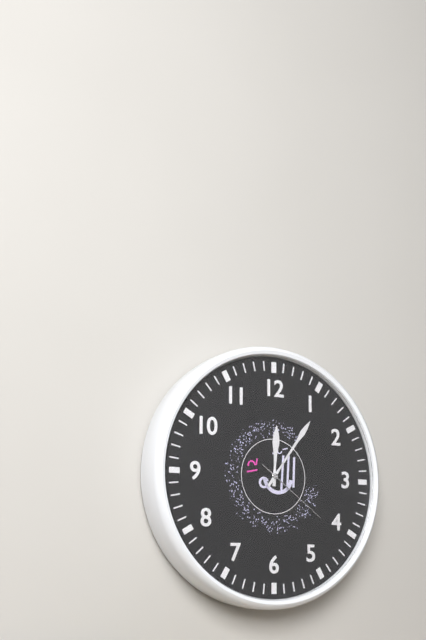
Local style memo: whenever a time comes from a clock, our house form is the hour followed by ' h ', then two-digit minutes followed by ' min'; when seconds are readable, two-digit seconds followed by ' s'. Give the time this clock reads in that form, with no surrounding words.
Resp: 12 h 06 min 21 s
